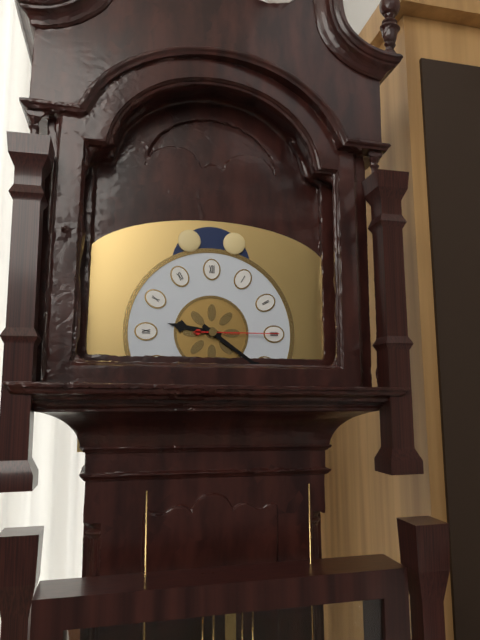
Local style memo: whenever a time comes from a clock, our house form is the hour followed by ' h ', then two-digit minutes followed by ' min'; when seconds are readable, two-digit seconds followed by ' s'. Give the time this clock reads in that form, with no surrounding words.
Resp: 9 h 21 min 15 s
